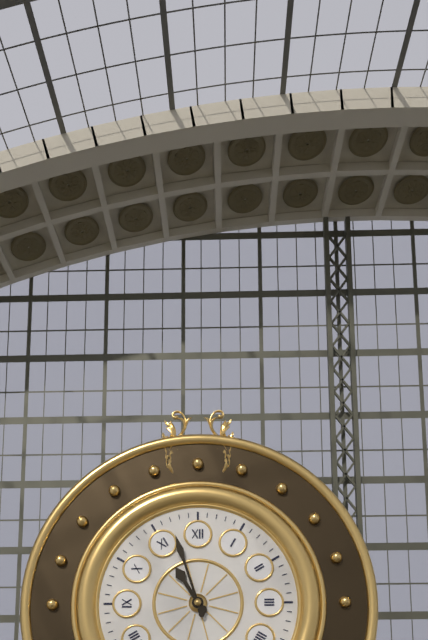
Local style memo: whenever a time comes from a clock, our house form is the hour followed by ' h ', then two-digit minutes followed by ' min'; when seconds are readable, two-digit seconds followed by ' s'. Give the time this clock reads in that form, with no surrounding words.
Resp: 10 h 57 min
